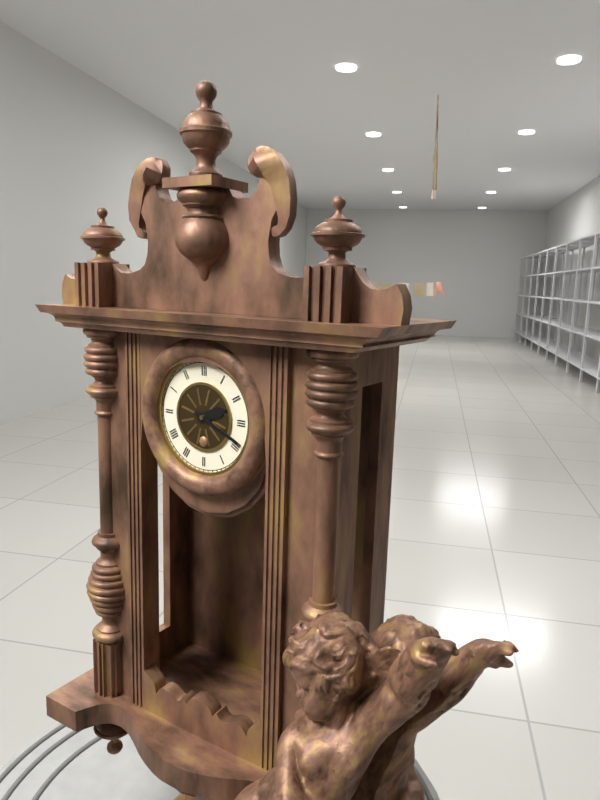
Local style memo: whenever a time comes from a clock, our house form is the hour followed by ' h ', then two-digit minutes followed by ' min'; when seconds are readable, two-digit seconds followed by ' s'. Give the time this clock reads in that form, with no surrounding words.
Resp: 2 h 19 min
